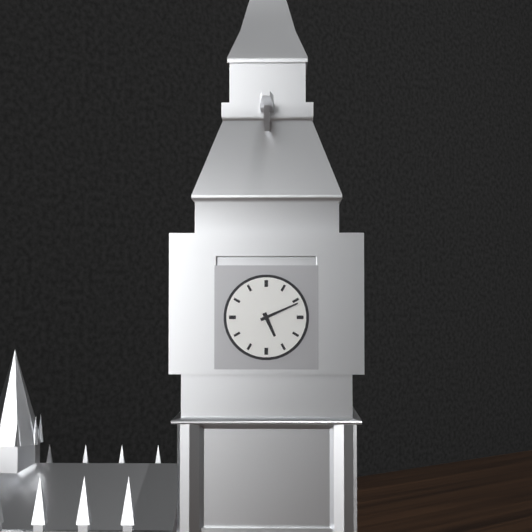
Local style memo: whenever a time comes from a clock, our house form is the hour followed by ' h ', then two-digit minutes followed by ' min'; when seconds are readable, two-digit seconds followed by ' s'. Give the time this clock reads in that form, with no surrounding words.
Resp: 5 h 11 min
